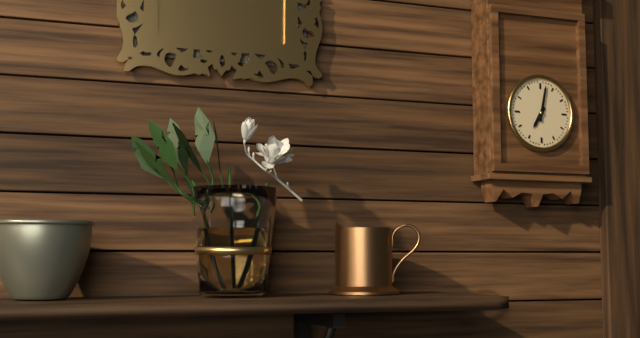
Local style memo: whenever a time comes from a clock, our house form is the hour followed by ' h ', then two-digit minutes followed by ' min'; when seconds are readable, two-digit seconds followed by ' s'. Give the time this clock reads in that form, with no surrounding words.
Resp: 7 h 02 min
